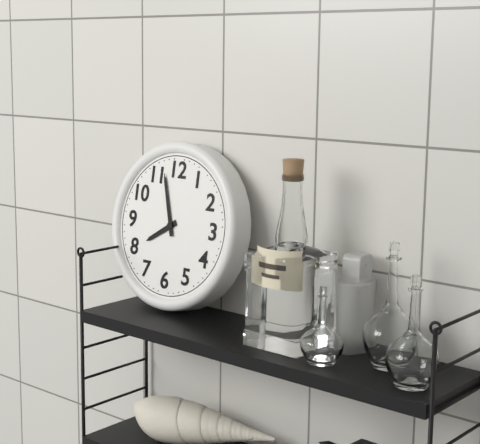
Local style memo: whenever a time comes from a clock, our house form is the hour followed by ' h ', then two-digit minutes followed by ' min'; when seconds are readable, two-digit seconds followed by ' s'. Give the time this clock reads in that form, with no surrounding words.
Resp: 7 h 57 min
